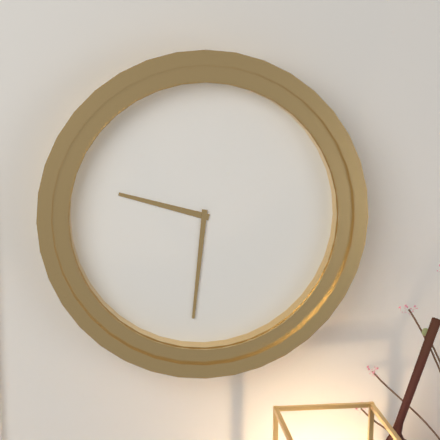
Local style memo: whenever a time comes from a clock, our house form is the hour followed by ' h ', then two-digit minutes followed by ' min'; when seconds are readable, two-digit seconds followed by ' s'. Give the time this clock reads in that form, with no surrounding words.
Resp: 9 h 31 min
